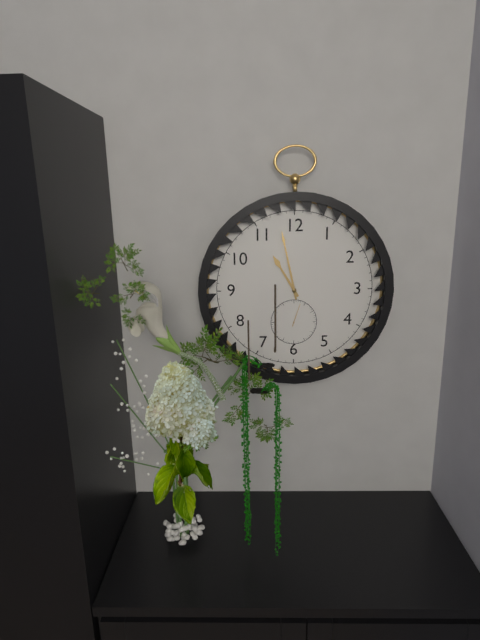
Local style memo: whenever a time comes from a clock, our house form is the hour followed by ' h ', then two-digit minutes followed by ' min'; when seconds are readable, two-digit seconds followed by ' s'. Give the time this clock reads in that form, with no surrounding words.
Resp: 10 h 58 min
